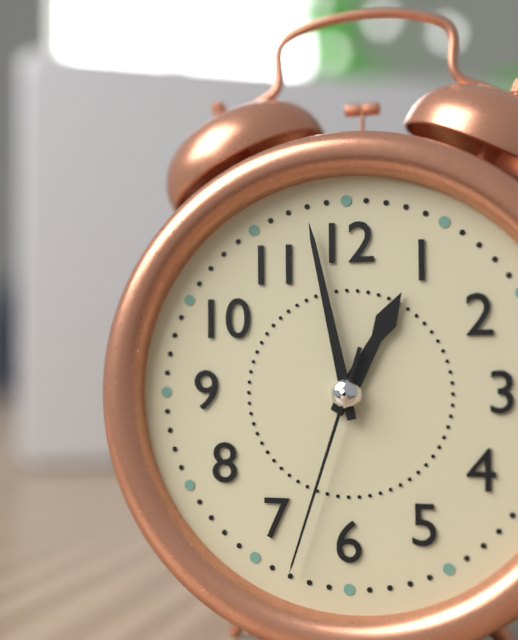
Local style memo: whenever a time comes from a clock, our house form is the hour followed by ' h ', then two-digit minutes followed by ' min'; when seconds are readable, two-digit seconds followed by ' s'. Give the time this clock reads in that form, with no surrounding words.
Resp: 12 h 58 min 33 s
